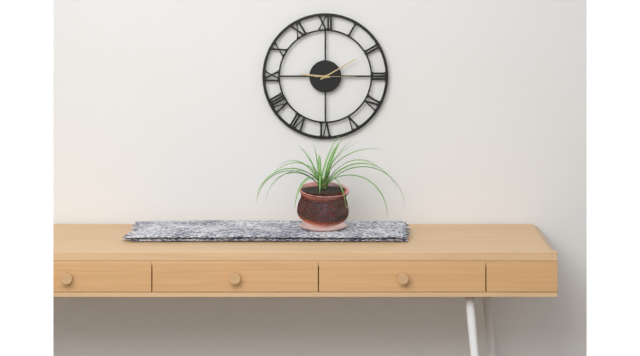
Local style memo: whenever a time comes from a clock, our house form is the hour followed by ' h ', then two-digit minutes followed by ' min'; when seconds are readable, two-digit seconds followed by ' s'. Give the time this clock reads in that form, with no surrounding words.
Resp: 9 h 10 min
